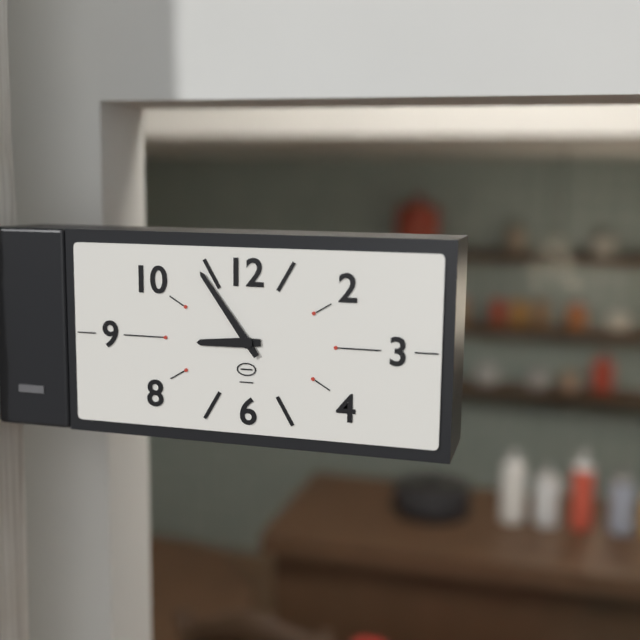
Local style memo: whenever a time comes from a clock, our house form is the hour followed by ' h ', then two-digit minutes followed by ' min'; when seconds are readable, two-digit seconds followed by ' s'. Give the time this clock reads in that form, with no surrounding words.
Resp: 8 h 54 min
